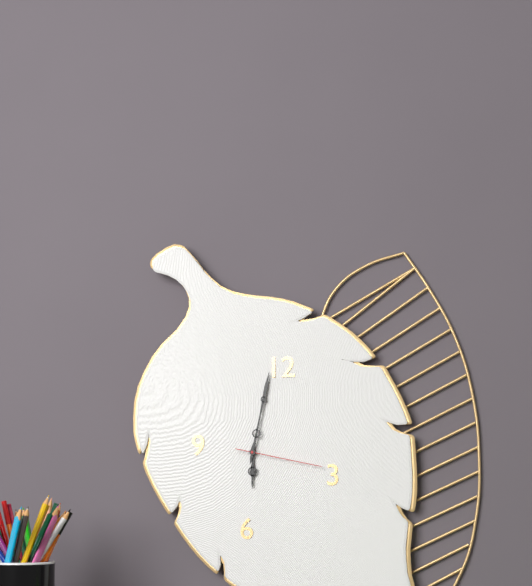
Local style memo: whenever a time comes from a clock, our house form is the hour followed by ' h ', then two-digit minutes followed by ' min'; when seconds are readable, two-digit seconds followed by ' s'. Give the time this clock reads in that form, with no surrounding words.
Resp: 6 h 02 min 17 s
